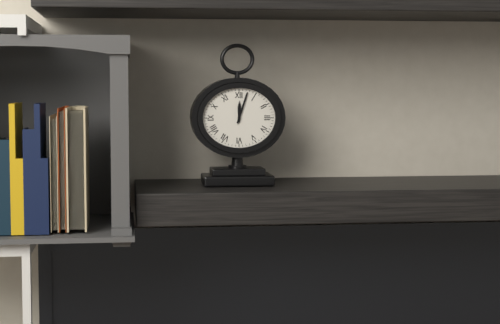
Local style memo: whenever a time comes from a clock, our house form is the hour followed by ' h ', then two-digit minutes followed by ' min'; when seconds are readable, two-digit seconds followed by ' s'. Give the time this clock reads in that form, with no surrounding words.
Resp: 12 h 03 min
